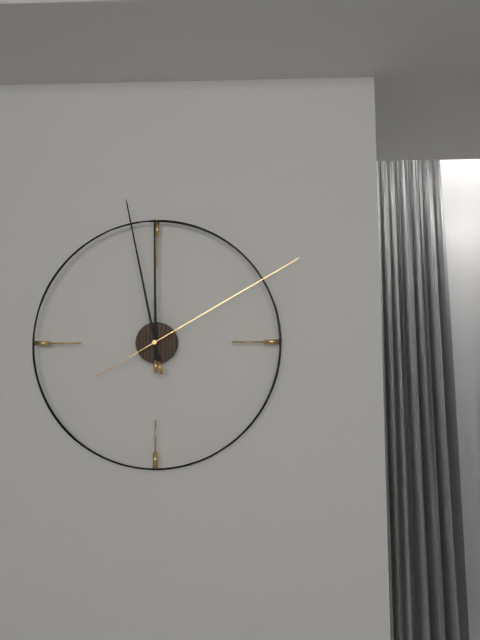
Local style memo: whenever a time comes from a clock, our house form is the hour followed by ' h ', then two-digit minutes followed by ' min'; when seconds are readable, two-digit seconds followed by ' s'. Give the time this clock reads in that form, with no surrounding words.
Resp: 11 h 58 min 10 s
